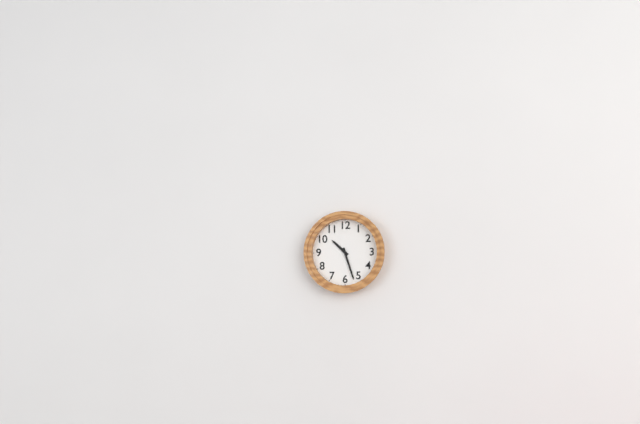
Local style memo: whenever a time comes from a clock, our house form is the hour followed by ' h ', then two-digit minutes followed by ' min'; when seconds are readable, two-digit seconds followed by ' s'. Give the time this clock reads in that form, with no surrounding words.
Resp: 10 h 27 min
